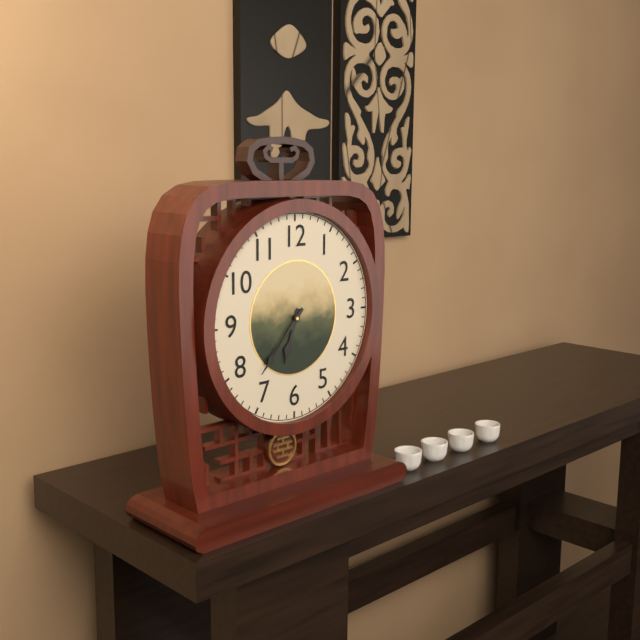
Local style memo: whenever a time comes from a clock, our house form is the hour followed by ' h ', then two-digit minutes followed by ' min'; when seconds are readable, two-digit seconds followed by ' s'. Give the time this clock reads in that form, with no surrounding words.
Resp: 6 h 37 min
